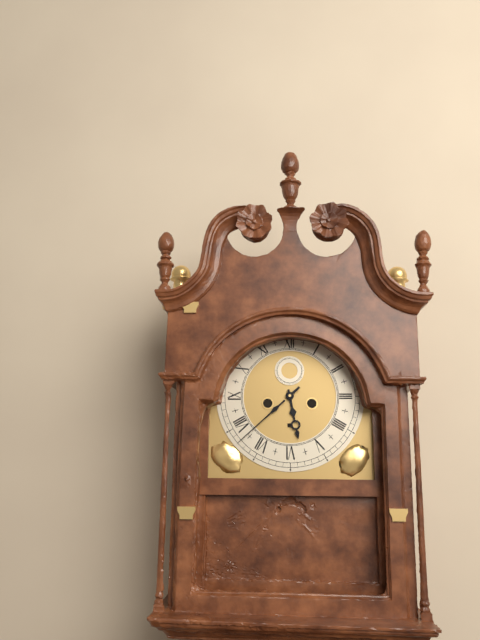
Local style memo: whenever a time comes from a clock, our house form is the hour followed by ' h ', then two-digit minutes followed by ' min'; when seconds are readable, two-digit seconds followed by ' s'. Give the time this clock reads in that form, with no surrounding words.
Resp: 5 h 38 min
